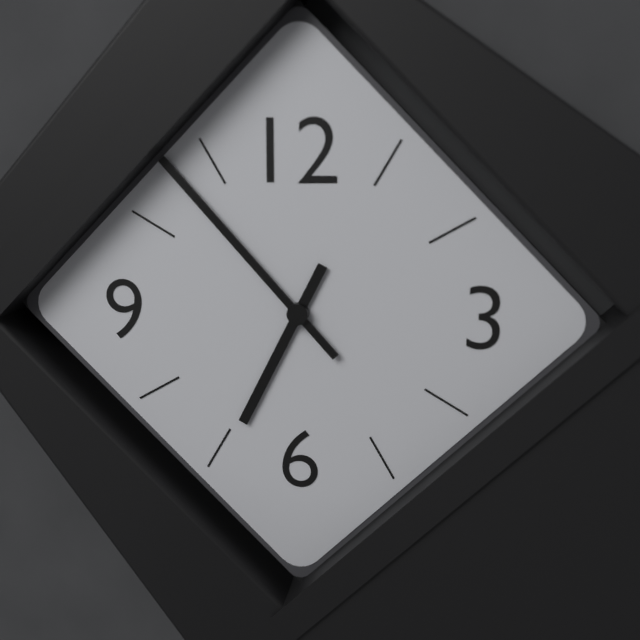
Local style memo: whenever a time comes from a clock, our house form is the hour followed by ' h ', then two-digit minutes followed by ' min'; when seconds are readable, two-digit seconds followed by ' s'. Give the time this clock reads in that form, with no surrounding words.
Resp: 6 h 53 min
